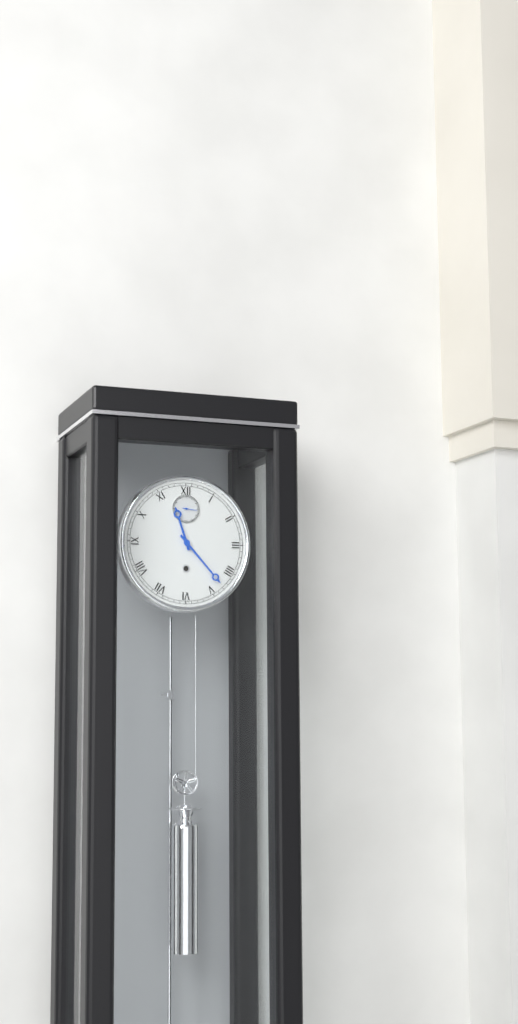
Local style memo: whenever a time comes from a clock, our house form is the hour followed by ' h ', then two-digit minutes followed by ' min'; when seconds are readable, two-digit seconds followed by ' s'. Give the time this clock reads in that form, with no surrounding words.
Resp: 11 h 23 min
